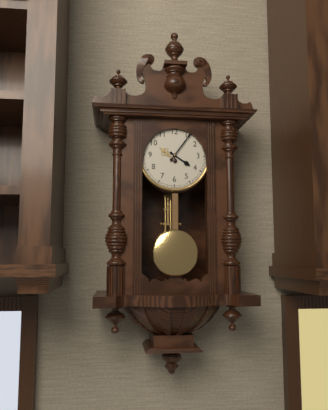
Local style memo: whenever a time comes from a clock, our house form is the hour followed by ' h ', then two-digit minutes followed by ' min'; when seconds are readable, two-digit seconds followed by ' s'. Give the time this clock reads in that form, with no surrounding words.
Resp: 4 h 06 min
